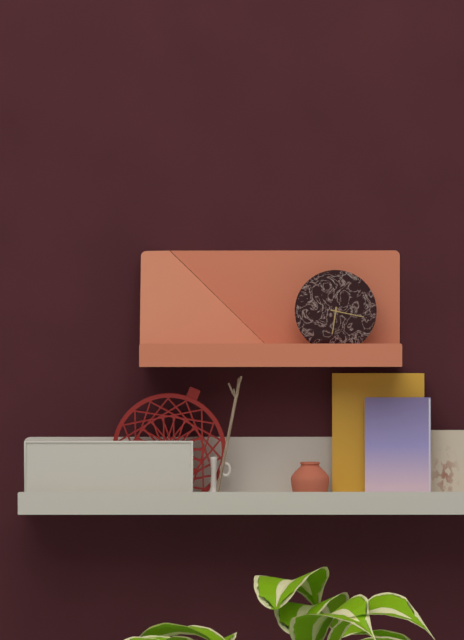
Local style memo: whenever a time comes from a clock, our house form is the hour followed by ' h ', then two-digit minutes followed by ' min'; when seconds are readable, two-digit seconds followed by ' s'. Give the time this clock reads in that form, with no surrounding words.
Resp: 6 h 17 min
